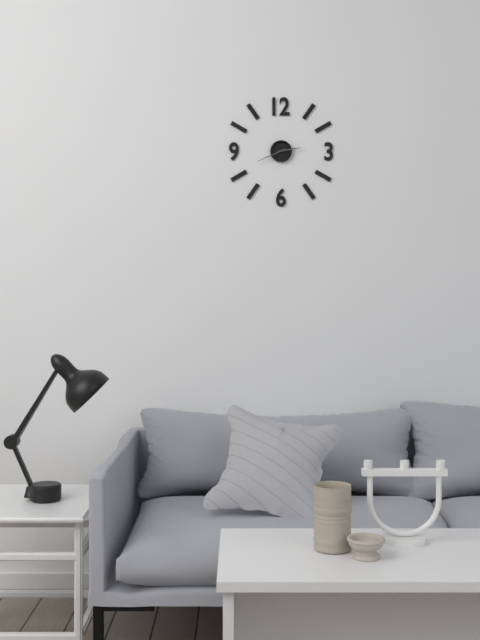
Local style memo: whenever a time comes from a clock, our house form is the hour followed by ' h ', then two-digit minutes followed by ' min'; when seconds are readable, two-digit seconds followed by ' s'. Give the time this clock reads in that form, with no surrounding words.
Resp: 2 h 41 min
